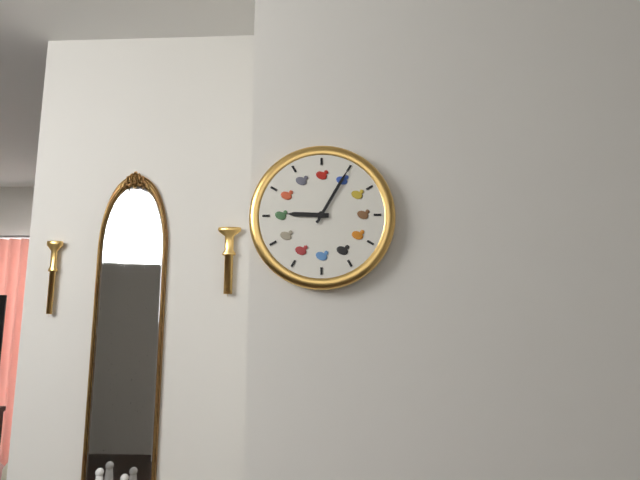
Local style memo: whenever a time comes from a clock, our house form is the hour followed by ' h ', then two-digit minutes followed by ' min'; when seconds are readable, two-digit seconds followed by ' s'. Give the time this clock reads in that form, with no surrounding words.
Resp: 9 h 05 min
